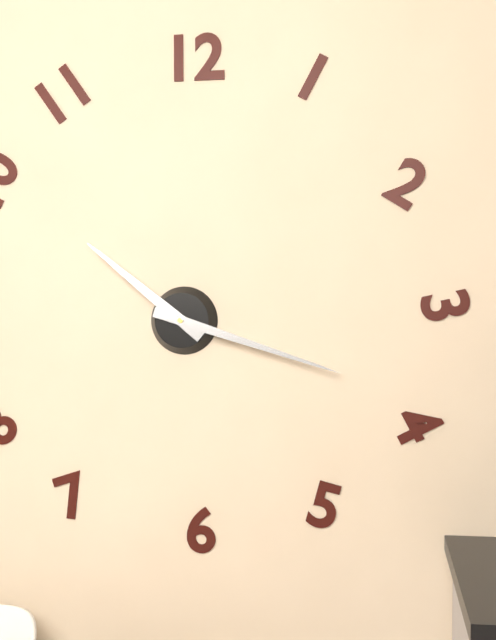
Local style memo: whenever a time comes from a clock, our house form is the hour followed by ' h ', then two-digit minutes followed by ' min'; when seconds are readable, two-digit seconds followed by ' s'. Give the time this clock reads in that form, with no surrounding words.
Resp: 10 h 18 min
